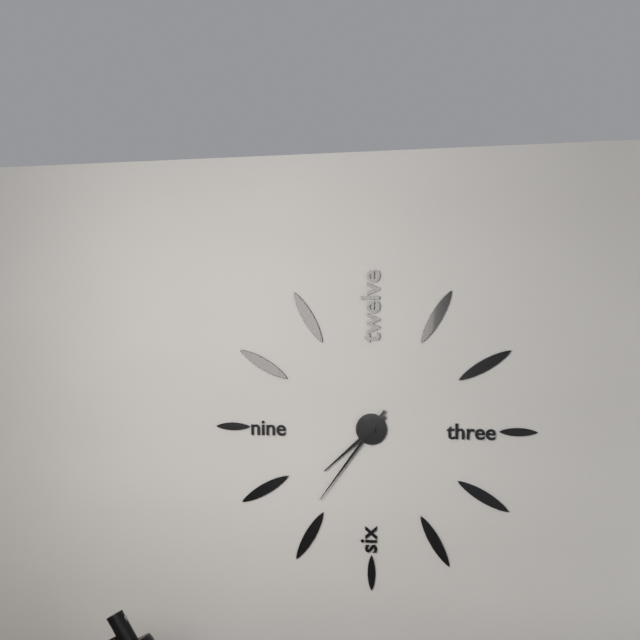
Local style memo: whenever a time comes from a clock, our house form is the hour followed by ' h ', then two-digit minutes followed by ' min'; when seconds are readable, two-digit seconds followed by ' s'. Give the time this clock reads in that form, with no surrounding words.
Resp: 7 h 36 min
